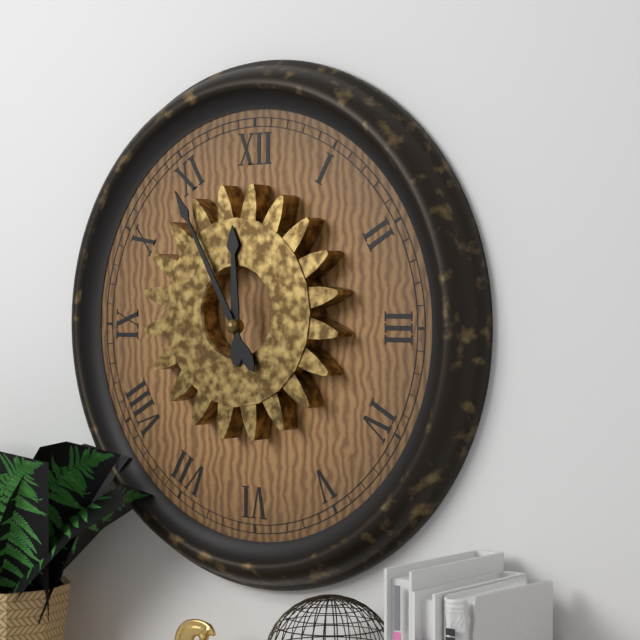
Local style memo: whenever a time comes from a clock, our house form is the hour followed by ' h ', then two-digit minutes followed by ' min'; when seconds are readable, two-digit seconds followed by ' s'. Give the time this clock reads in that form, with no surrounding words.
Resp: 11 h 55 min
